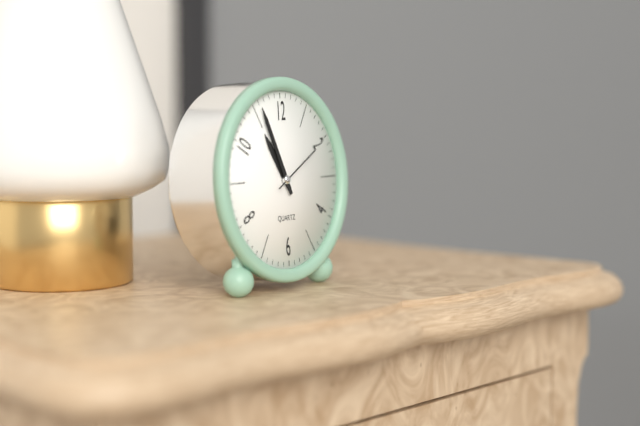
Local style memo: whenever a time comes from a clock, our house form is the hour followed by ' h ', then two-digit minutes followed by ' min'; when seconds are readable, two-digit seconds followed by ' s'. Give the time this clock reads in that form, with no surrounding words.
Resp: 10 h 56 min 10 s
